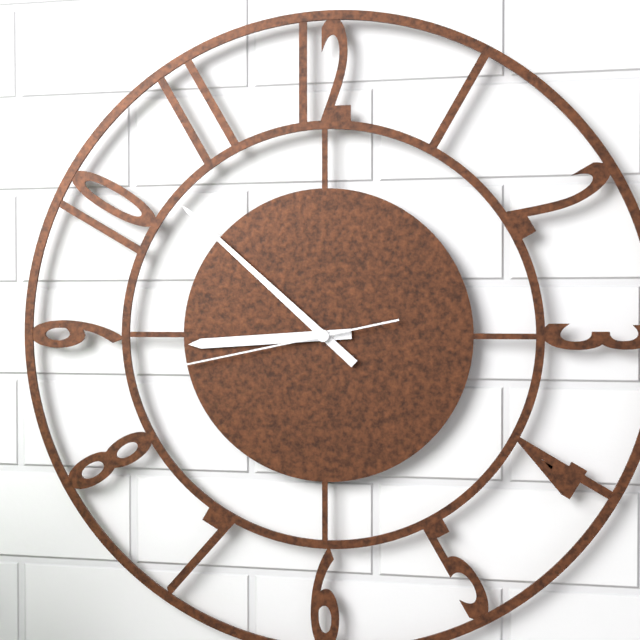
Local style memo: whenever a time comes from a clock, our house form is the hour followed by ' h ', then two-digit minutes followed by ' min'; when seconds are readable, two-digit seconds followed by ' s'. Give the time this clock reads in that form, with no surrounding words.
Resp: 8 h 52 min 43 s
